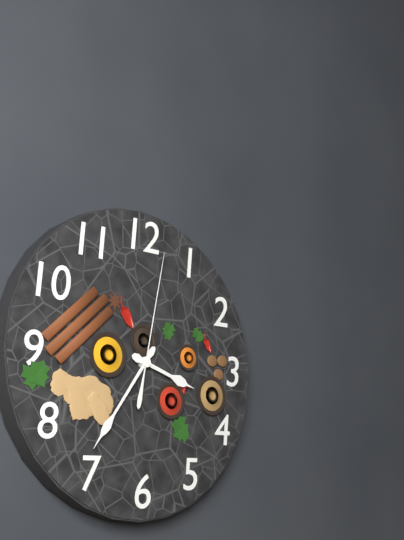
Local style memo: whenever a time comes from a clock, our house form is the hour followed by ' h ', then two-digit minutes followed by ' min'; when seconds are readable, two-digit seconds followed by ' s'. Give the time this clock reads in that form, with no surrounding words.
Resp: 3 h 36 min 02 s
